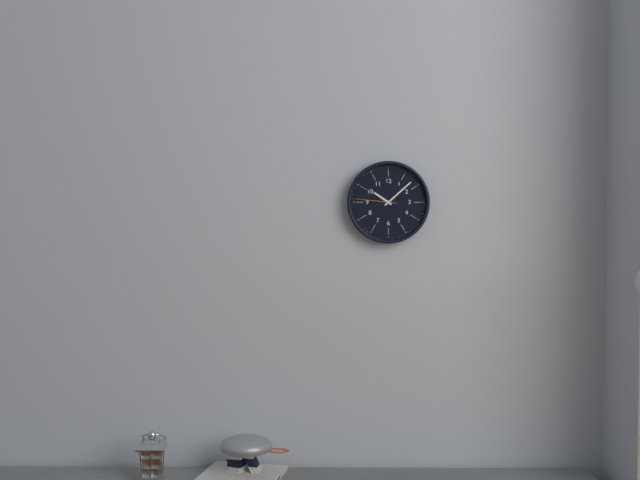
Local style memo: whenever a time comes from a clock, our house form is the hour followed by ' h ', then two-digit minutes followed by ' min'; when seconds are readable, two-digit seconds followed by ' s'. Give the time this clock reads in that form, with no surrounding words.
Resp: 10 h 08 min
